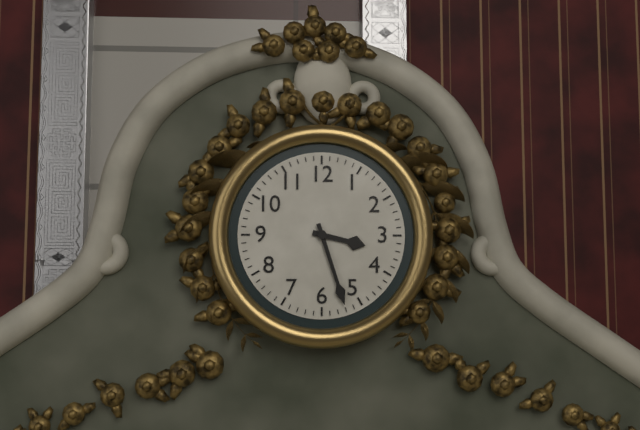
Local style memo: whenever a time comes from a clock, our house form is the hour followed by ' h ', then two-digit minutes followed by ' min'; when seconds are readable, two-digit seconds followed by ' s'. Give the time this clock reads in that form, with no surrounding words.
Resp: 3 h 27 min
